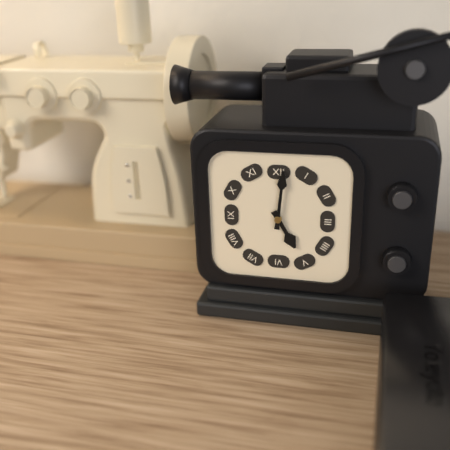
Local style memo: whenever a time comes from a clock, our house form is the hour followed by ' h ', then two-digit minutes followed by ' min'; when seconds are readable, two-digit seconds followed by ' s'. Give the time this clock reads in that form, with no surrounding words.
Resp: 5 h 01 min
